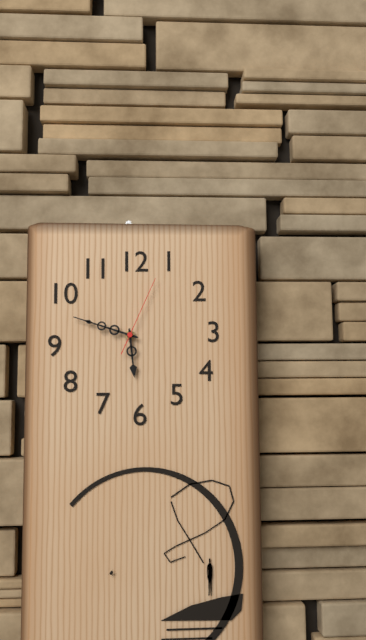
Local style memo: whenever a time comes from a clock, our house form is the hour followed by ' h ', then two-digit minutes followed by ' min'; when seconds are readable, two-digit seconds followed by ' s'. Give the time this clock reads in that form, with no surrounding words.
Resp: 5 h 48 min 04 s
